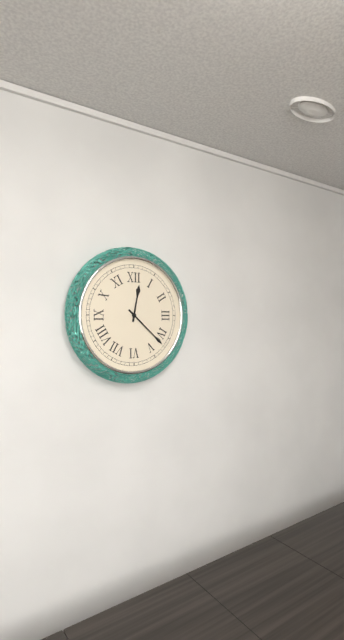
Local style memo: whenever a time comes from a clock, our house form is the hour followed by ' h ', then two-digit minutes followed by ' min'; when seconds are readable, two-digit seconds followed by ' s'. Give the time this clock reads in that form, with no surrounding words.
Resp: 12 h 22 min
